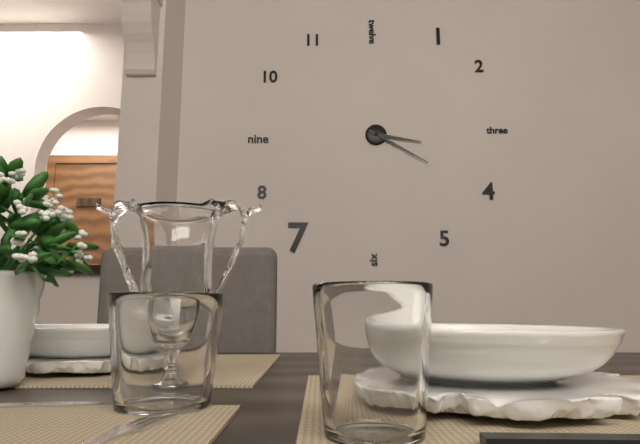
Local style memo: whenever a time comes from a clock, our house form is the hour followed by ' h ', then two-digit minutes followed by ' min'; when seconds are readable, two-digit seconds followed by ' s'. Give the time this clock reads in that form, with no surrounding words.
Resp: 3 h 20 min
